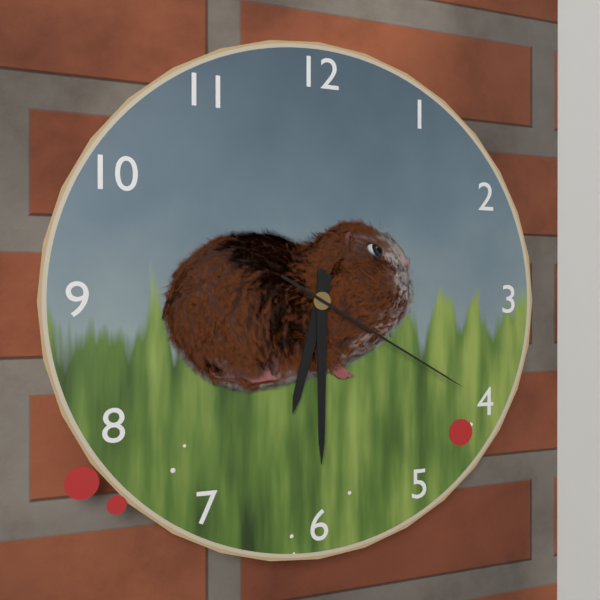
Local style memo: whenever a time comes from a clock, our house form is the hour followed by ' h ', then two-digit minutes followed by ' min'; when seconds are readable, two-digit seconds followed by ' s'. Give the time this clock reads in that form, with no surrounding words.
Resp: 6 h 30 min 20 s
